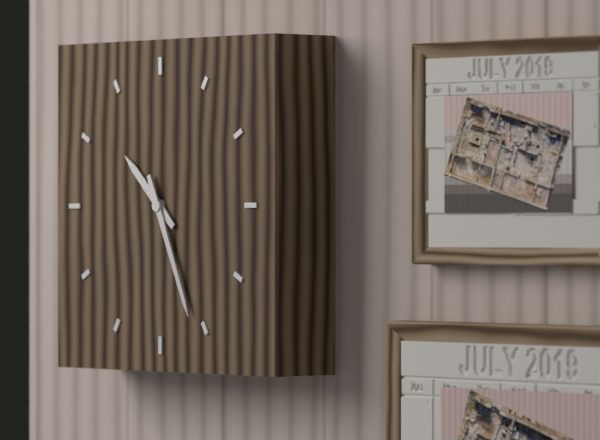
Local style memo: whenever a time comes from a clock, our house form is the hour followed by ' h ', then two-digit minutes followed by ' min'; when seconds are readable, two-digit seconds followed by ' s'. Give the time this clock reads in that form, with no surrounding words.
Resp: 10 h 26 min
